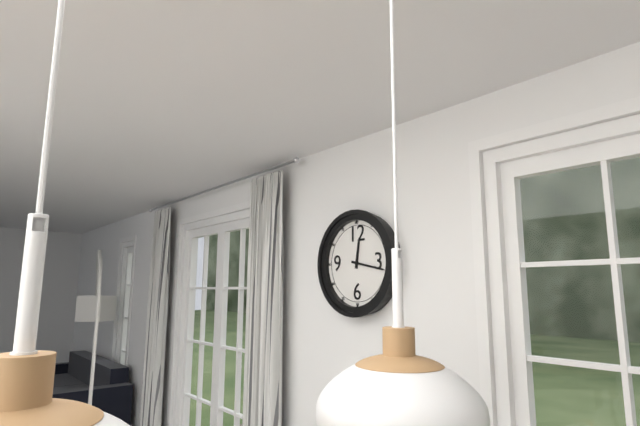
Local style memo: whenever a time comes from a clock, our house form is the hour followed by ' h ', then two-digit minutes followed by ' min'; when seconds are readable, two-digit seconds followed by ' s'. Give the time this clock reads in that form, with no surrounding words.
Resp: 12 h 17 min
